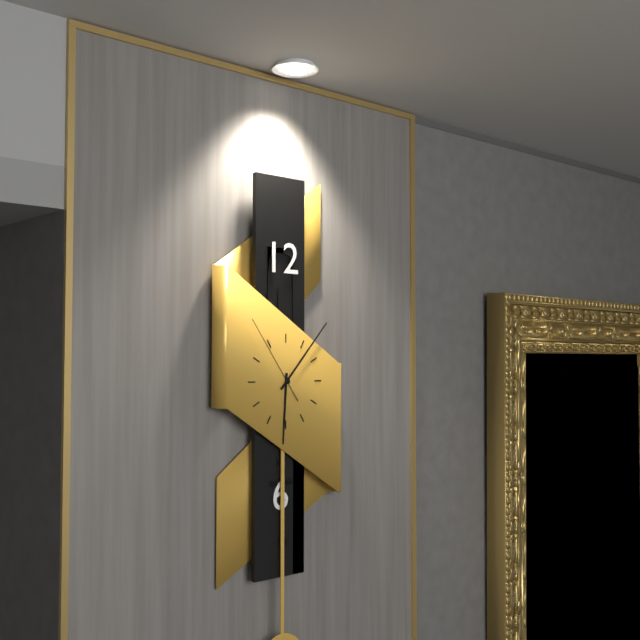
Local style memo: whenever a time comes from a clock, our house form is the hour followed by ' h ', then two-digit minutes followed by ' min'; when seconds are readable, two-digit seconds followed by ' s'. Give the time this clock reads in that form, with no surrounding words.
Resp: 6 h 07 min 54 s
